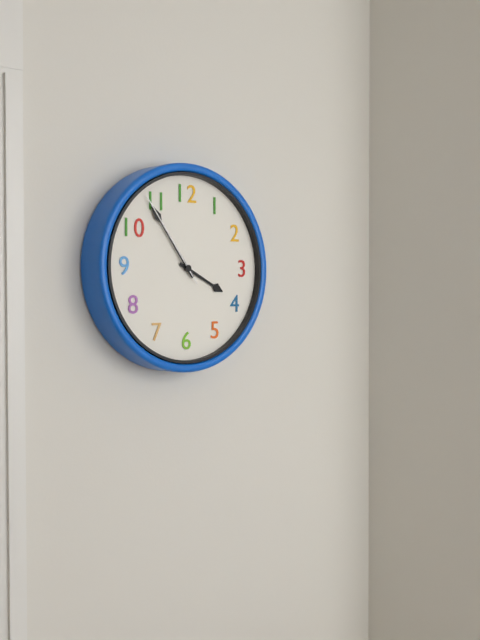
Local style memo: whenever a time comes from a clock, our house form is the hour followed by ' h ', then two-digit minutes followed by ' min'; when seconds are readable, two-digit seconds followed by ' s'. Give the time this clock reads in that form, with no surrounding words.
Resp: 3 h 54 min 54 s
